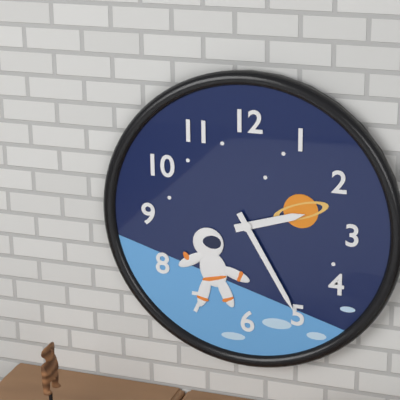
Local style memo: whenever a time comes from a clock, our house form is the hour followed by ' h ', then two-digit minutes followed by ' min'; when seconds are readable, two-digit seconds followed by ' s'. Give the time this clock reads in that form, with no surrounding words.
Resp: 2 h 25 min
